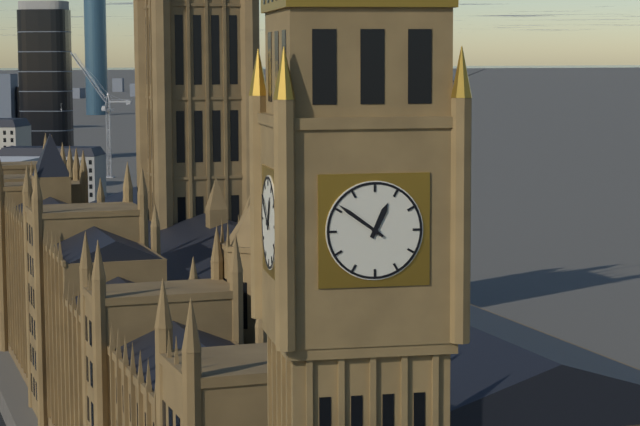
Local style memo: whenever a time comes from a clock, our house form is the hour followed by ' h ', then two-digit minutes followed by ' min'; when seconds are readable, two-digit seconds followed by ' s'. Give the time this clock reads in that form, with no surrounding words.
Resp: 12 h 51 min
